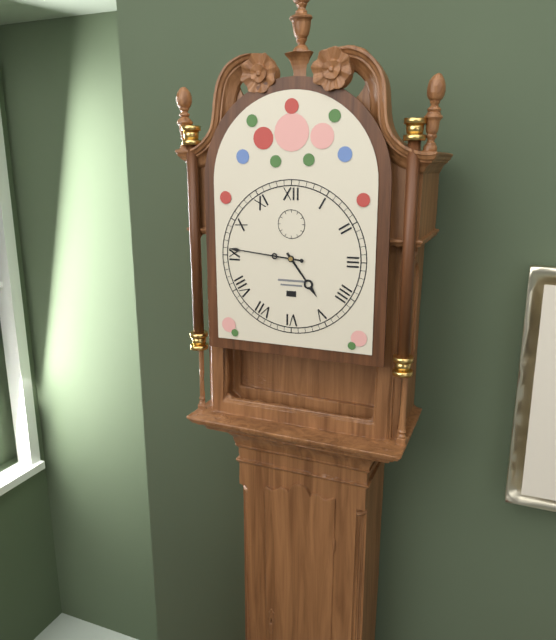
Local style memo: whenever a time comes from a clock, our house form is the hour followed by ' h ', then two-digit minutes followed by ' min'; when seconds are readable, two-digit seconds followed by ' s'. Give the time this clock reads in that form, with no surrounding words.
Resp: 4 h 46 min
